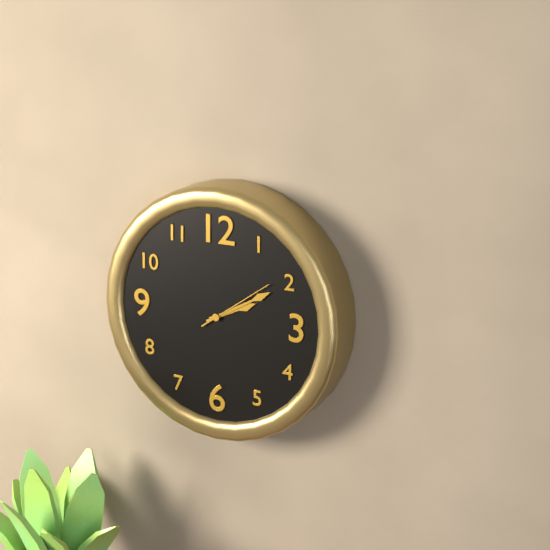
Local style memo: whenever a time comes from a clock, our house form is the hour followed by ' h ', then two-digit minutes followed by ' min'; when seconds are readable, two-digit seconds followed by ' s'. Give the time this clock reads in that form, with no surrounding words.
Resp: 2 h 10 min 09 s
